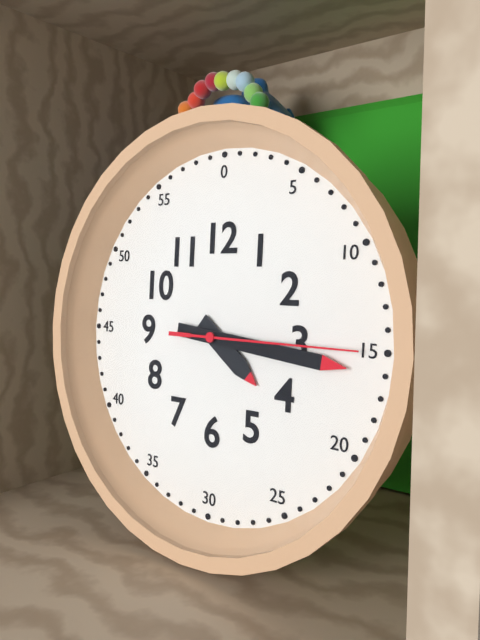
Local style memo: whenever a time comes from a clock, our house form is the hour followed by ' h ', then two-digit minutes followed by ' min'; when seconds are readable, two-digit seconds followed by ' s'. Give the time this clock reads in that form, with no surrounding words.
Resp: 4 h 16 min 15 s
